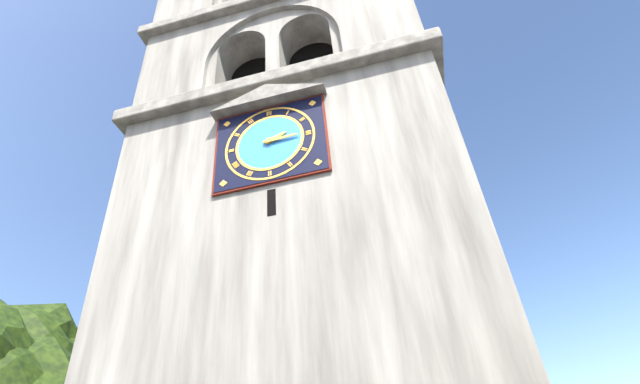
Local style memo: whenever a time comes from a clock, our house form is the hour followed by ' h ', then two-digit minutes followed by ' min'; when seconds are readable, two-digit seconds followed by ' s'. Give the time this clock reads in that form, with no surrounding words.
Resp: 2 h 15 min
